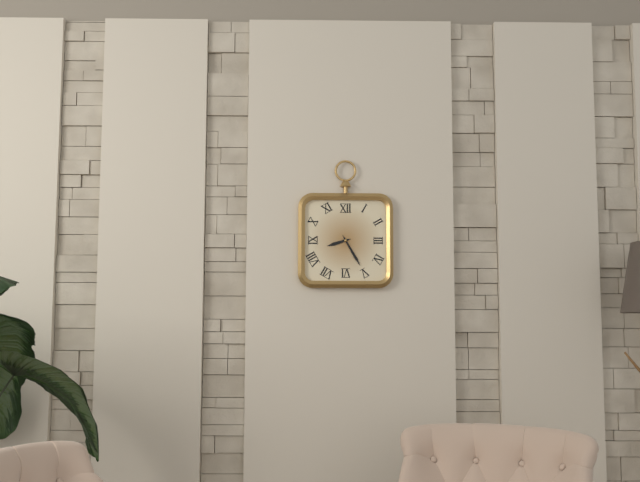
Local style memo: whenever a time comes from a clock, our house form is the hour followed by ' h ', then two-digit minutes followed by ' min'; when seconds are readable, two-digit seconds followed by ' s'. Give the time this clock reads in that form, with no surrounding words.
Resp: 8 h 25 min
